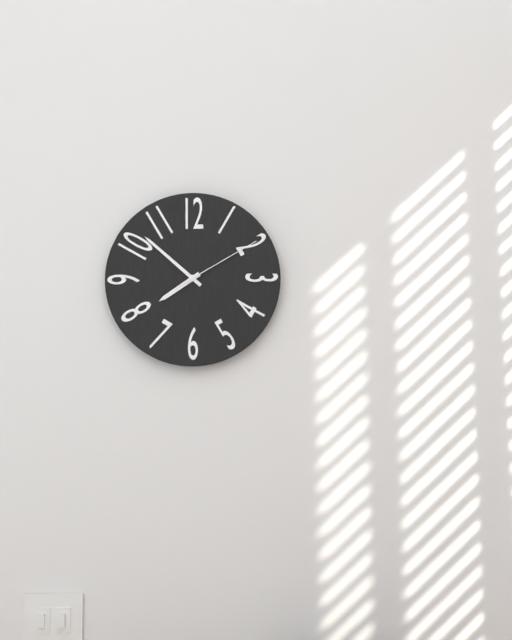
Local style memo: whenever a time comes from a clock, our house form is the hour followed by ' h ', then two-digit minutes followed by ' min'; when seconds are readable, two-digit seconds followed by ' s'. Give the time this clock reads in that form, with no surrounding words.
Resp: 7 h 52 min 10 s
